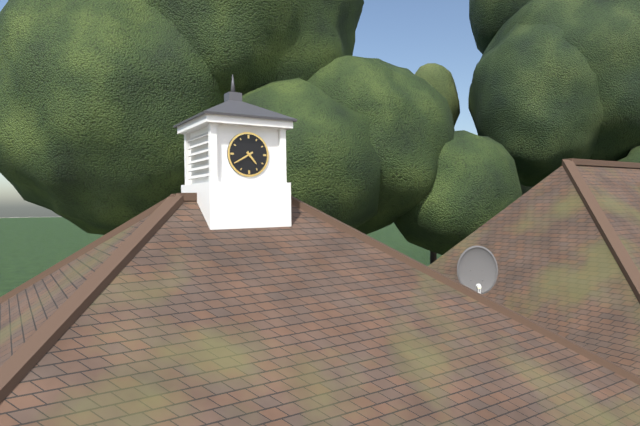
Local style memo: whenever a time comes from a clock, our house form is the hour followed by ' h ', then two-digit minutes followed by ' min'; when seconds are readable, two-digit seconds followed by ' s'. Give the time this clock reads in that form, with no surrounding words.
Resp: 4 h 40 min
